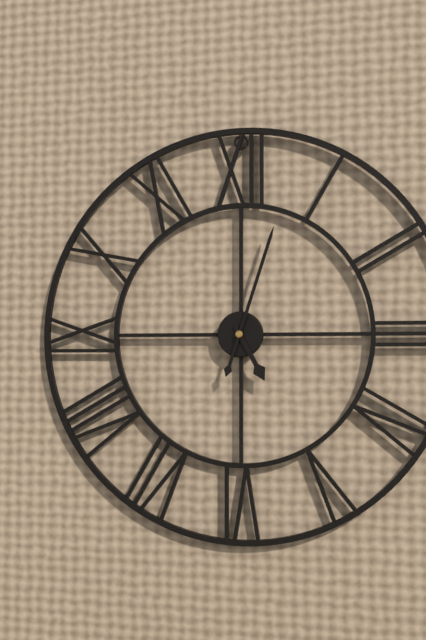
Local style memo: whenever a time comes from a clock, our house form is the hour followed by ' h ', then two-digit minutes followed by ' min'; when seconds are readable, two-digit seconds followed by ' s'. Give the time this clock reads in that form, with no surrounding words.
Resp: 5 h 03 min
